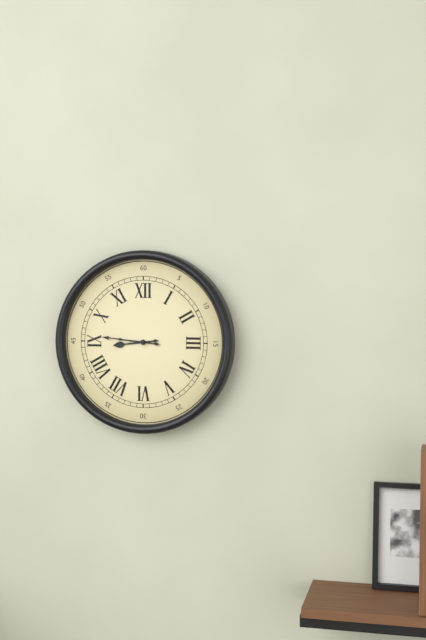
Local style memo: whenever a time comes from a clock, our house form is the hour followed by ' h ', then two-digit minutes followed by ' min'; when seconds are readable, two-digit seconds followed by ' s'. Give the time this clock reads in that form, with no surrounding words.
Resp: 8 h 46 min
